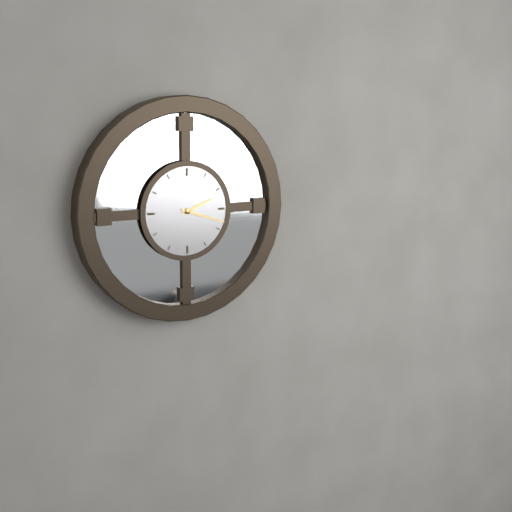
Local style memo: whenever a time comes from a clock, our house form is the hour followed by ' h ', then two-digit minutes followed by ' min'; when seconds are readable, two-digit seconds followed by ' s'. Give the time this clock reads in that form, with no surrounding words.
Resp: 2 h 18 min
